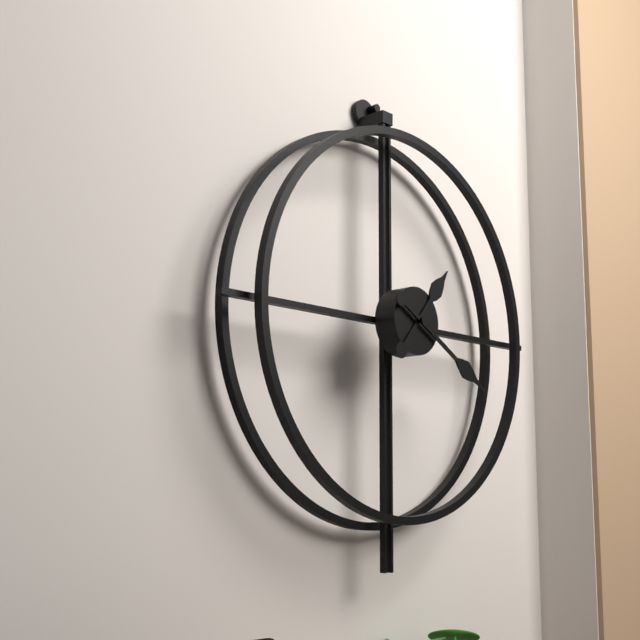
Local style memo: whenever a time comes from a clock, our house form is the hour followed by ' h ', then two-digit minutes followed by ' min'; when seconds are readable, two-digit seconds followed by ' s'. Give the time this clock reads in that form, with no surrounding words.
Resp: 1 h 20 min
